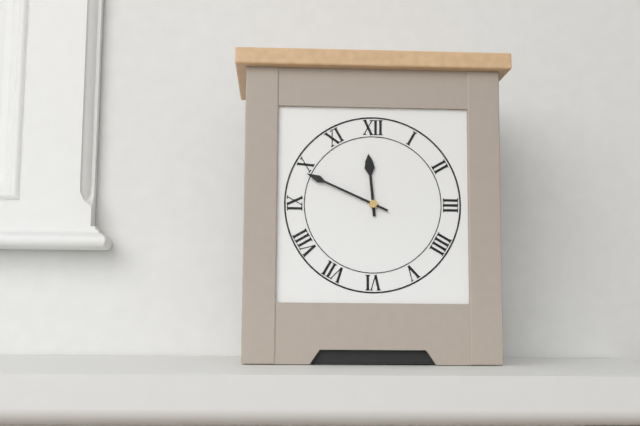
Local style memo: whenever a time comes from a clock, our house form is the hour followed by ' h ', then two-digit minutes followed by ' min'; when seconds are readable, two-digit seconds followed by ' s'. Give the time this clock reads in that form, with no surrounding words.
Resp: 11 h 49 min
